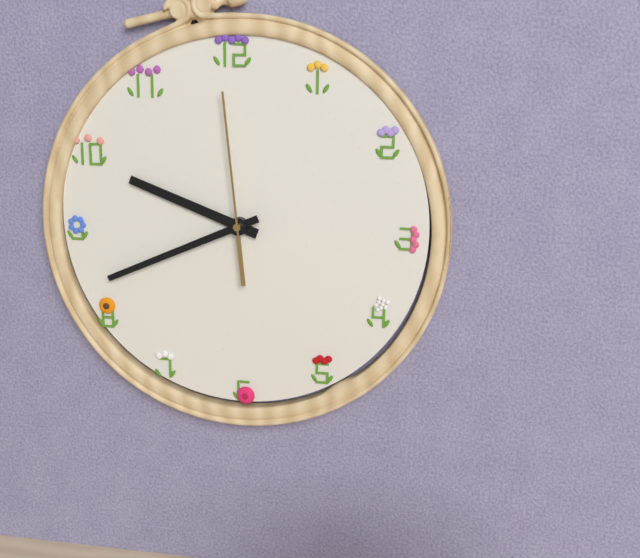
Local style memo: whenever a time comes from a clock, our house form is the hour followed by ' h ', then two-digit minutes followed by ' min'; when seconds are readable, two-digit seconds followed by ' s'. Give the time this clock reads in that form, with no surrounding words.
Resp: 9 h 41 min 59 s
